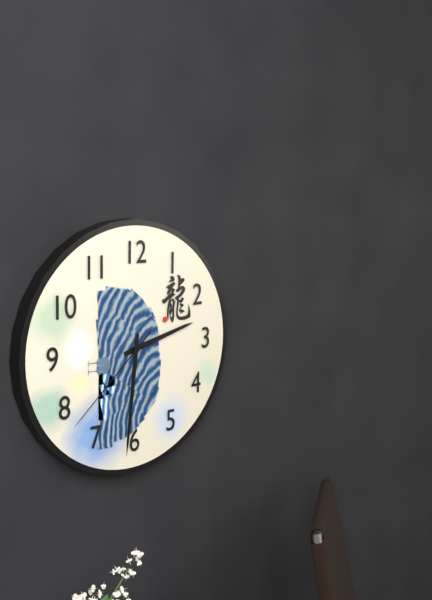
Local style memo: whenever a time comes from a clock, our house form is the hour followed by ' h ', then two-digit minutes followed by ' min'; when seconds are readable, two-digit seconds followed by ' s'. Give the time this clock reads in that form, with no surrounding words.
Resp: 2 h 31 min 38 s
